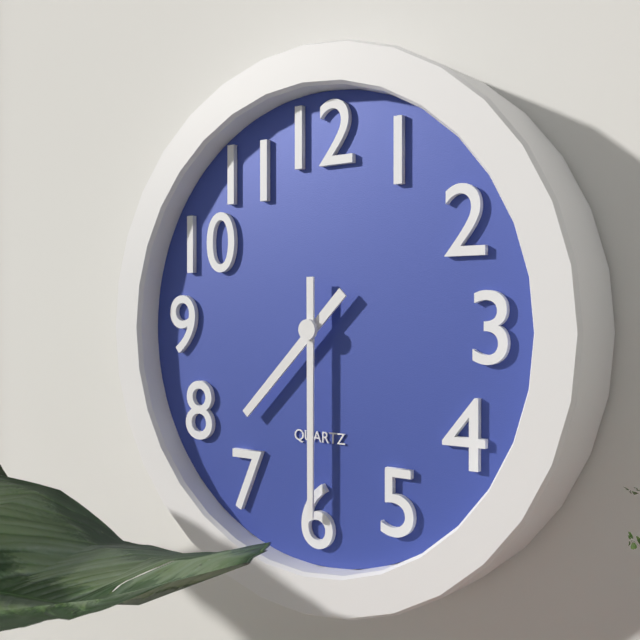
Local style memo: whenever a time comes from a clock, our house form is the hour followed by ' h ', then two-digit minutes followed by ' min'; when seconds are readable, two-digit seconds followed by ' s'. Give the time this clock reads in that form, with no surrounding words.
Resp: 7 h 30 min
